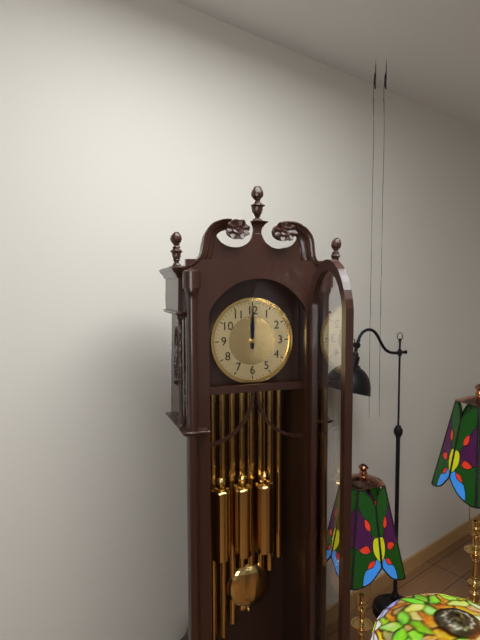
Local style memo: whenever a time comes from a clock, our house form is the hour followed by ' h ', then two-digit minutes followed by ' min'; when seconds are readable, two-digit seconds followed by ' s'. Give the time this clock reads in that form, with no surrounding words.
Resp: 12 h 00 min
